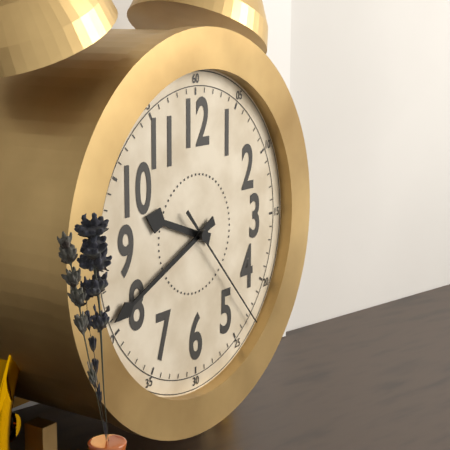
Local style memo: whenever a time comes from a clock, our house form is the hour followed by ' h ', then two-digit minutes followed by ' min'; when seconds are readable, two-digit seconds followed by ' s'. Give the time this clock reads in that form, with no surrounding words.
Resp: 9 h 41 min 23 s
